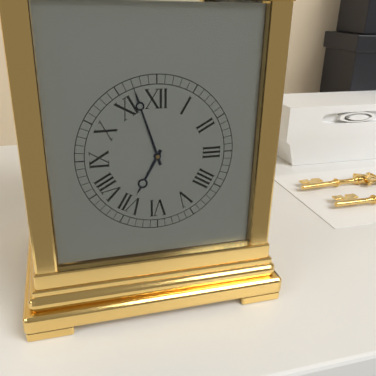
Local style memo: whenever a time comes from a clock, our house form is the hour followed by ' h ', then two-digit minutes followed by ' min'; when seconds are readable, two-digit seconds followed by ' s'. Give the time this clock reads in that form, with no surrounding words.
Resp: 6 h 57 min
